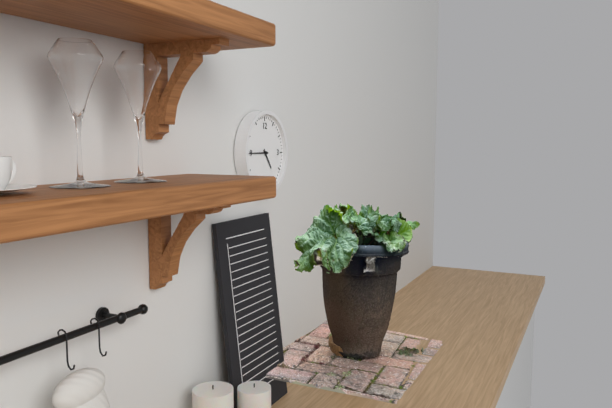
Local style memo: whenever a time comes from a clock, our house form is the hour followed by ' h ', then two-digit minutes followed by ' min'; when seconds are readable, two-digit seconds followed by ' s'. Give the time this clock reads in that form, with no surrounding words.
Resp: 4 h 45 min
